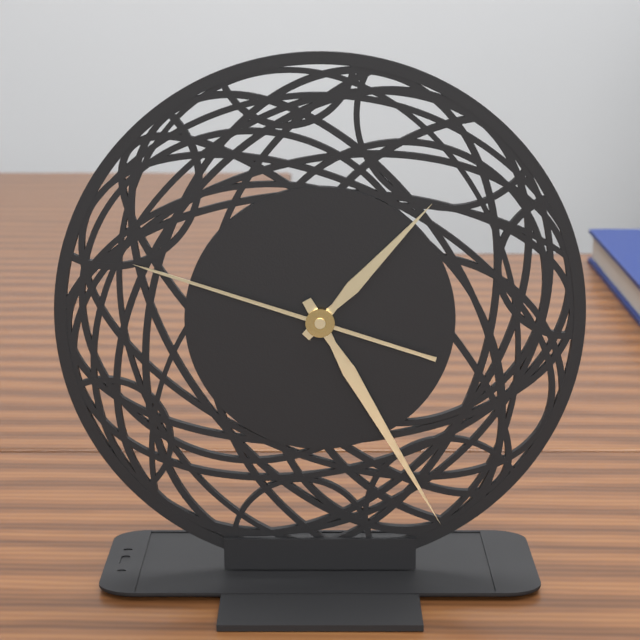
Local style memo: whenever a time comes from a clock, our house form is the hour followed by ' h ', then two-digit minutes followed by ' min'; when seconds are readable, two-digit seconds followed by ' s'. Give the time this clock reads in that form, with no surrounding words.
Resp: 1 h 25 min 48 s
